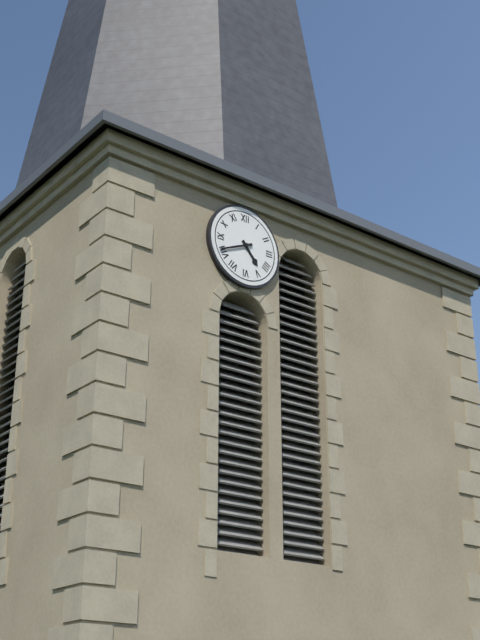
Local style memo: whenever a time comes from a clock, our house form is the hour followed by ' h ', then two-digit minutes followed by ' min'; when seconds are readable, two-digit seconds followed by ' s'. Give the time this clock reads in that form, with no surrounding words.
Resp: 4 h 41 min
